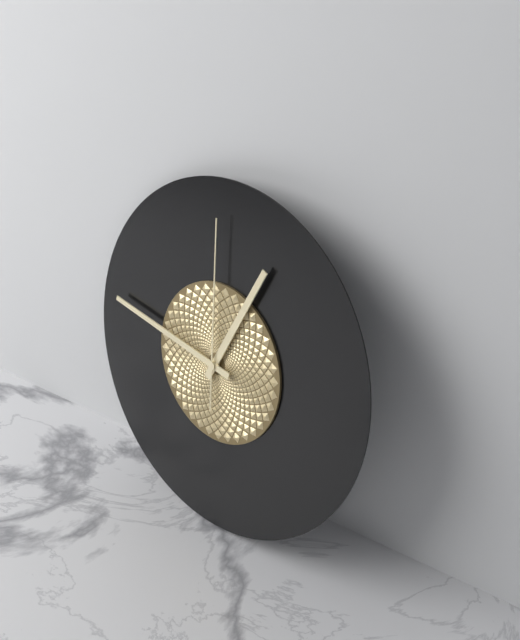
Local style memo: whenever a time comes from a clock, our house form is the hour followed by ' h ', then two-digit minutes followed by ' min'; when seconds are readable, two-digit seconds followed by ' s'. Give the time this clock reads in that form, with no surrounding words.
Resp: 12 h 46 min 59 s
